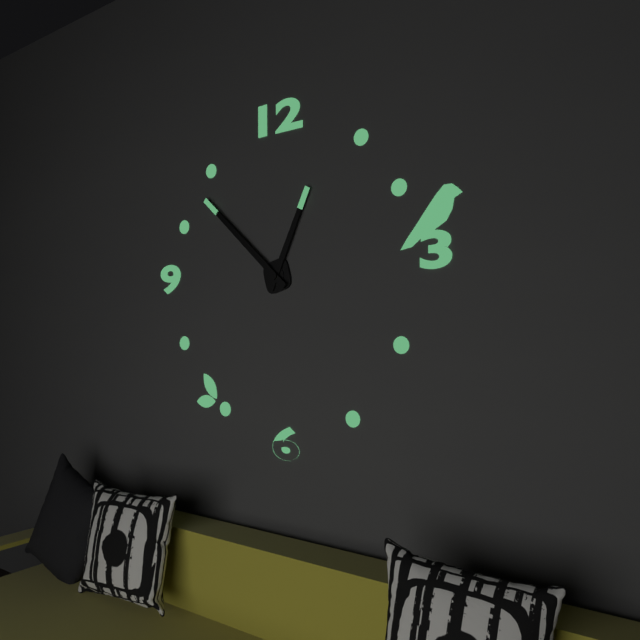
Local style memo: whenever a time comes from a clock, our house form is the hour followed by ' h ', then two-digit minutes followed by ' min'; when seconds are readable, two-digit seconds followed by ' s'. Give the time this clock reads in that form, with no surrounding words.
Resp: 12 h 52 min
